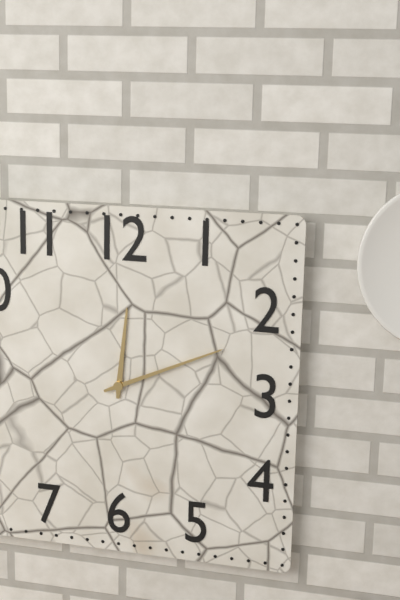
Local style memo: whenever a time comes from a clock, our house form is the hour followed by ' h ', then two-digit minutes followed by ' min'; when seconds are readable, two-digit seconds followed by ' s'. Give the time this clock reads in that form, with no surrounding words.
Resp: 12 h 11 min
